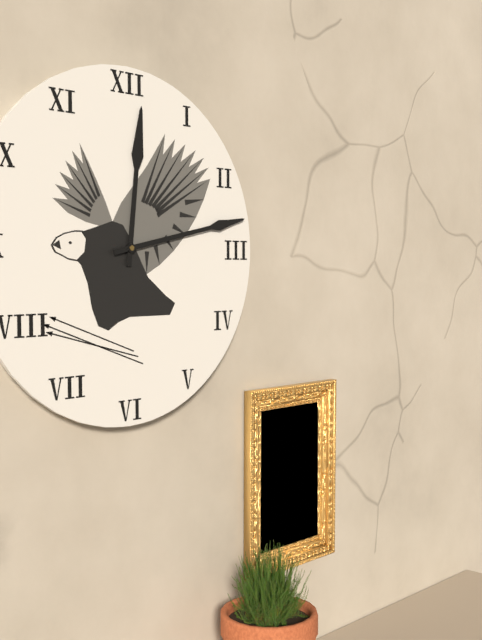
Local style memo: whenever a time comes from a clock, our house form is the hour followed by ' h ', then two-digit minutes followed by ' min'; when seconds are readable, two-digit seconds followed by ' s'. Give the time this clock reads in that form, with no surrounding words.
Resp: 12 h 13 min
